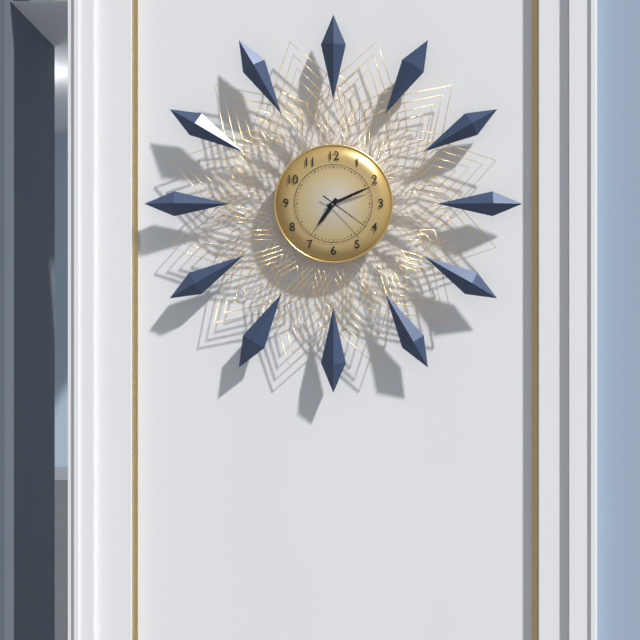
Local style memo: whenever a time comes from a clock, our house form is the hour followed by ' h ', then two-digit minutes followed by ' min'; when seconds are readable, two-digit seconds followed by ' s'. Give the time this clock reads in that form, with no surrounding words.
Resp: 7 h 11 min 21 s
